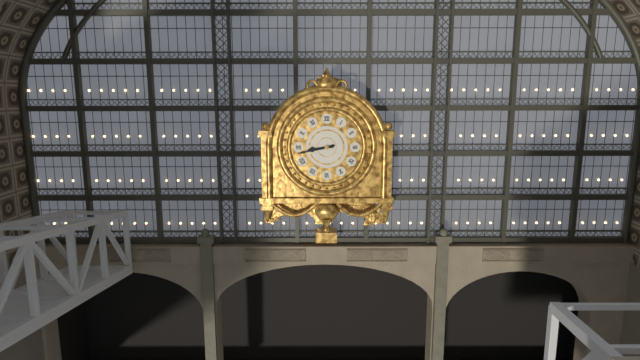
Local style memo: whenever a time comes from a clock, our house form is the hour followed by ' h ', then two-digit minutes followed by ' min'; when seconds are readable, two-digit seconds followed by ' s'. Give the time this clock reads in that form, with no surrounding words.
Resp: 8 h 43 min
